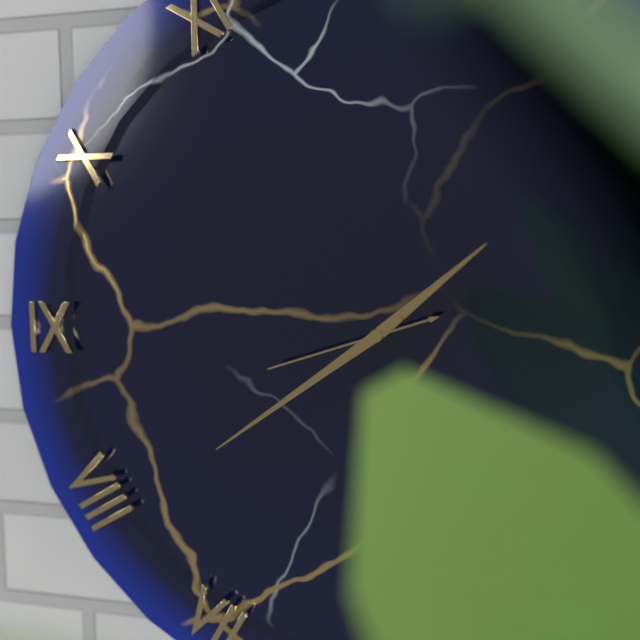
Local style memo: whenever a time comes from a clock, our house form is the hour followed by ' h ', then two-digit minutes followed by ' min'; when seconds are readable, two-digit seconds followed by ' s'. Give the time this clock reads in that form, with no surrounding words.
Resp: 1 h 39 min 42 s
